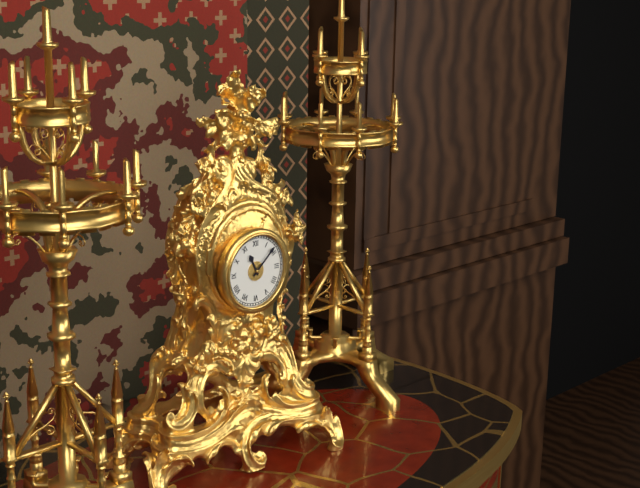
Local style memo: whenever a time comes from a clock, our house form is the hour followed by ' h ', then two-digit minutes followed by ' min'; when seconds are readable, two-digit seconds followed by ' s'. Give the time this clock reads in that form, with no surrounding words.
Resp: 11 h 08 min
